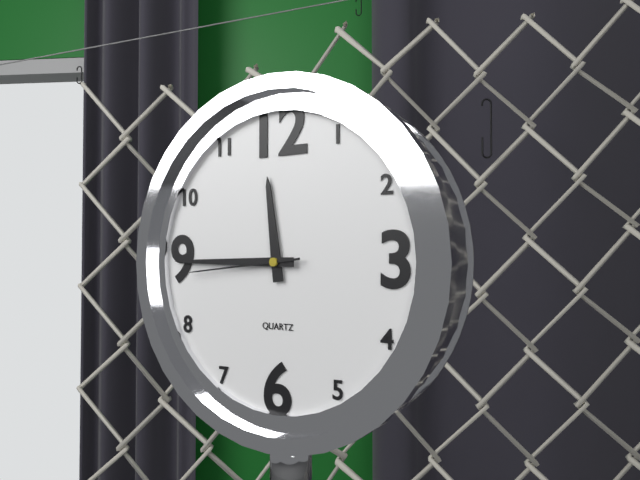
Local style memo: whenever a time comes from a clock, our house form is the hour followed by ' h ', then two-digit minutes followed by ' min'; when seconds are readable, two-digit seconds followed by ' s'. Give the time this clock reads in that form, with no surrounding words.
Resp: 11 h 45 min 44 s
